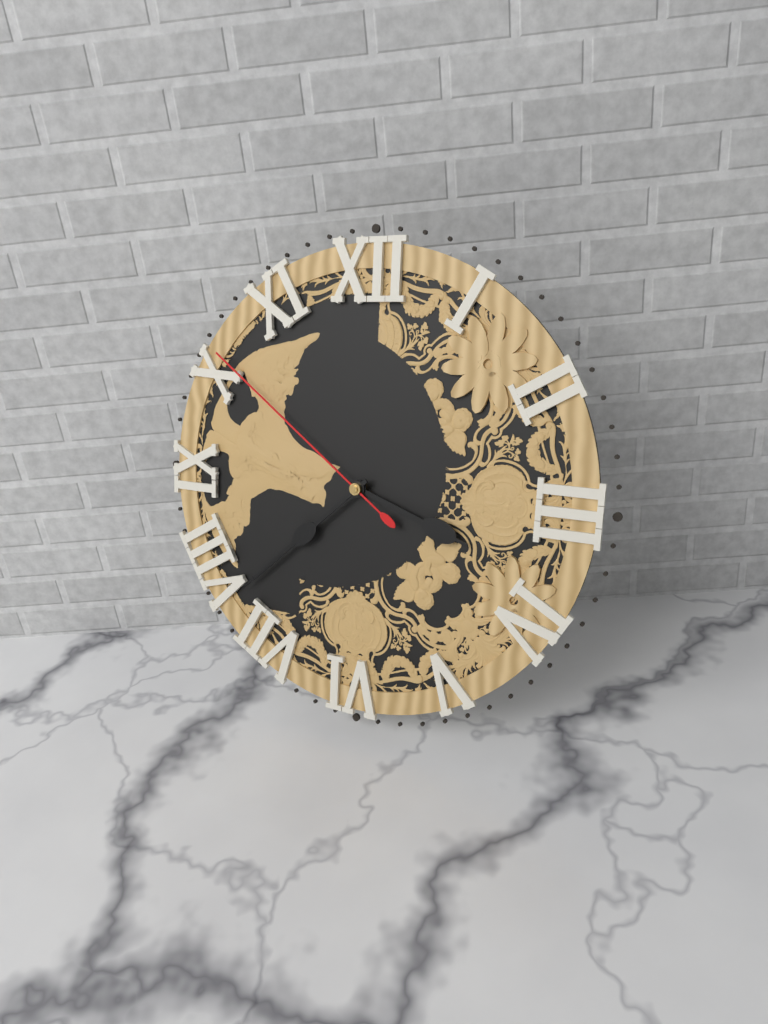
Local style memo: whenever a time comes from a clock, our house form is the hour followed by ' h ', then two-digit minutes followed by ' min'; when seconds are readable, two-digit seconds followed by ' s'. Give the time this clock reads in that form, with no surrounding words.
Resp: 3 h 38 min 51 s
